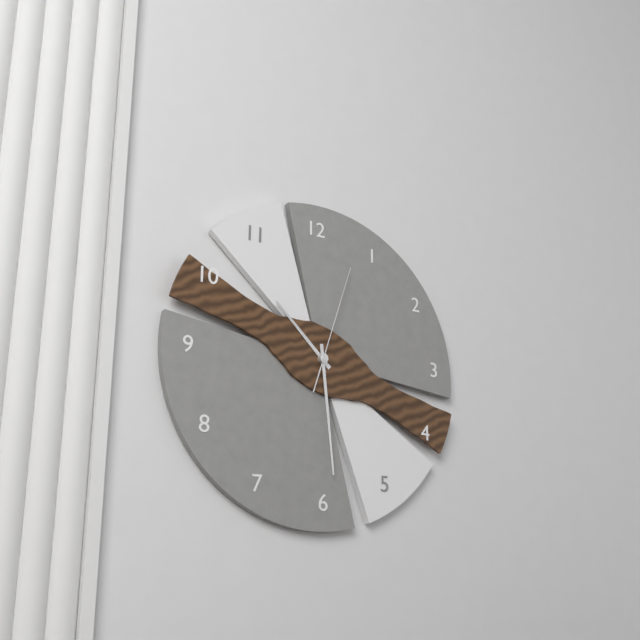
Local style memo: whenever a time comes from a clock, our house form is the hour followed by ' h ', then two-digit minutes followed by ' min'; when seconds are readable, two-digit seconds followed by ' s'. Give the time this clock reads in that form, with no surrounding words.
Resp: 10 h 29 min 03 s
